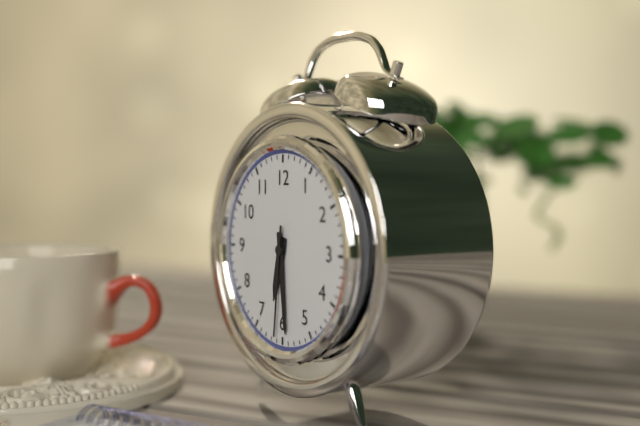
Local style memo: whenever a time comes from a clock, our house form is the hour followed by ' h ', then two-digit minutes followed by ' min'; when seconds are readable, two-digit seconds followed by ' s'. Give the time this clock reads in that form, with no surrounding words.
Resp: 6 h 29 min 31 s
